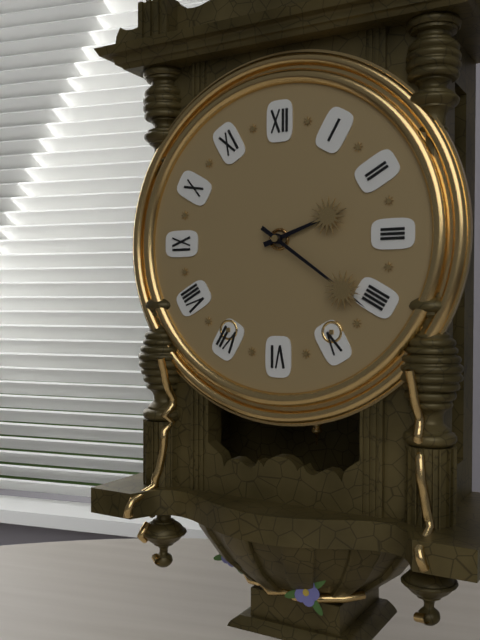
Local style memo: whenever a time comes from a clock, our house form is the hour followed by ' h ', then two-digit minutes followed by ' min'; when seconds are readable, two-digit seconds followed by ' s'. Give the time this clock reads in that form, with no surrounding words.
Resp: 2 h 21 min
